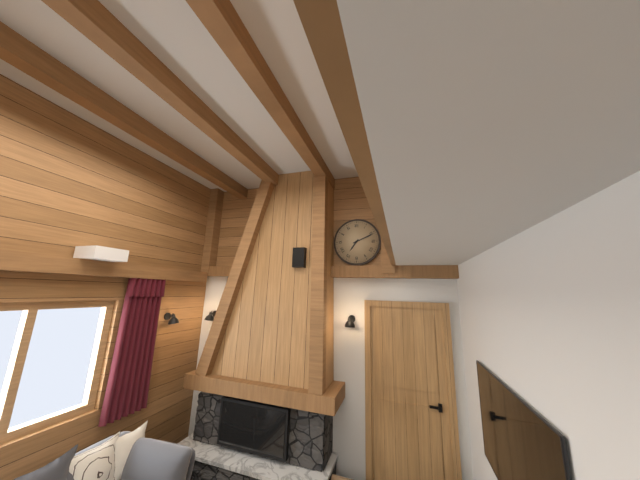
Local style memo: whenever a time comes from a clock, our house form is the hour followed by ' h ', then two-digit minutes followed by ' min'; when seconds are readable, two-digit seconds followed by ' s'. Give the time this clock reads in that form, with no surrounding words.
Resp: 7 h 11 min
